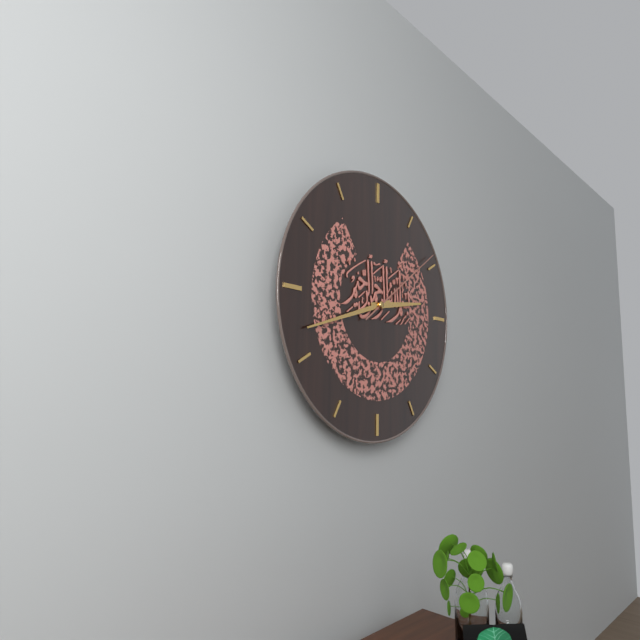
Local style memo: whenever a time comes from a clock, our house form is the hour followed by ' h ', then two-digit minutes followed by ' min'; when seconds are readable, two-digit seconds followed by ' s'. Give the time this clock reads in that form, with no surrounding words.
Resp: 2 h 42 min 09 s
